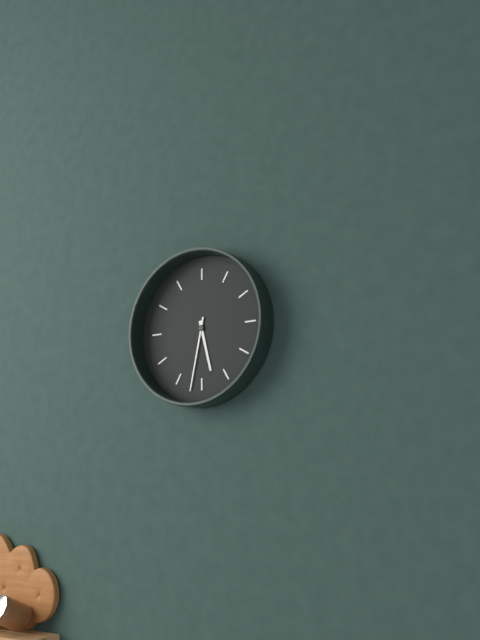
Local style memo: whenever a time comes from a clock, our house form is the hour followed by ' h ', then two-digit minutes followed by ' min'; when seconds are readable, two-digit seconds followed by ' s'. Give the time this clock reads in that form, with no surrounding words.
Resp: 5 h 32 min
